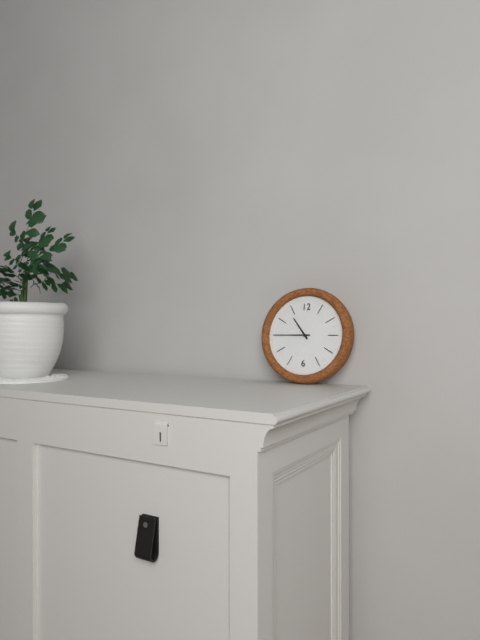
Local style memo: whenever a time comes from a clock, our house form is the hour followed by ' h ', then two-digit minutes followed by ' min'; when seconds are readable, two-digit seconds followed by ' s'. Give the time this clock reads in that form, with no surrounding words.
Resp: 10 h 45 min
